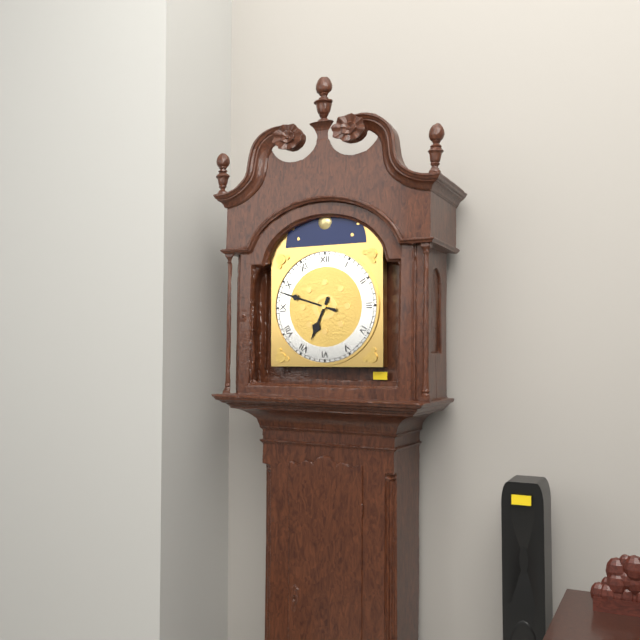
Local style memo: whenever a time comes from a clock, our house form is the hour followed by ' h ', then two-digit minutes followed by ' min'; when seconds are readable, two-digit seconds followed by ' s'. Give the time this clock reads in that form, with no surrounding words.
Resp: 6 h 48 min
